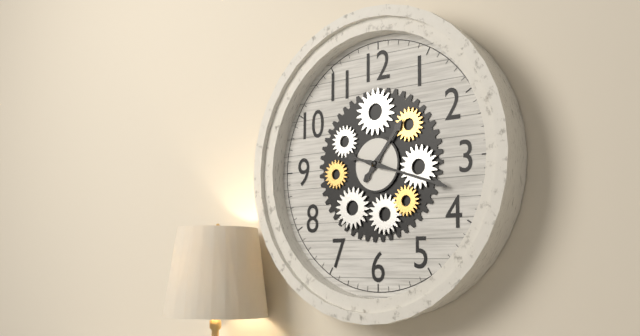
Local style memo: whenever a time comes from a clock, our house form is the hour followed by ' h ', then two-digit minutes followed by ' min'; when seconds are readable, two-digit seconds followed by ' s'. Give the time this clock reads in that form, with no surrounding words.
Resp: 1 h 18 min
